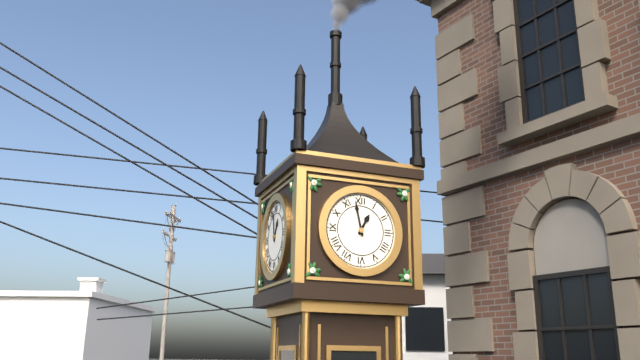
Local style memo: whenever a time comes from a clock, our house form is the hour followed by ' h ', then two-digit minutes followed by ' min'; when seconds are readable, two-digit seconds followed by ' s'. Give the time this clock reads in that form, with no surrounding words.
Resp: 12 h 58 min
